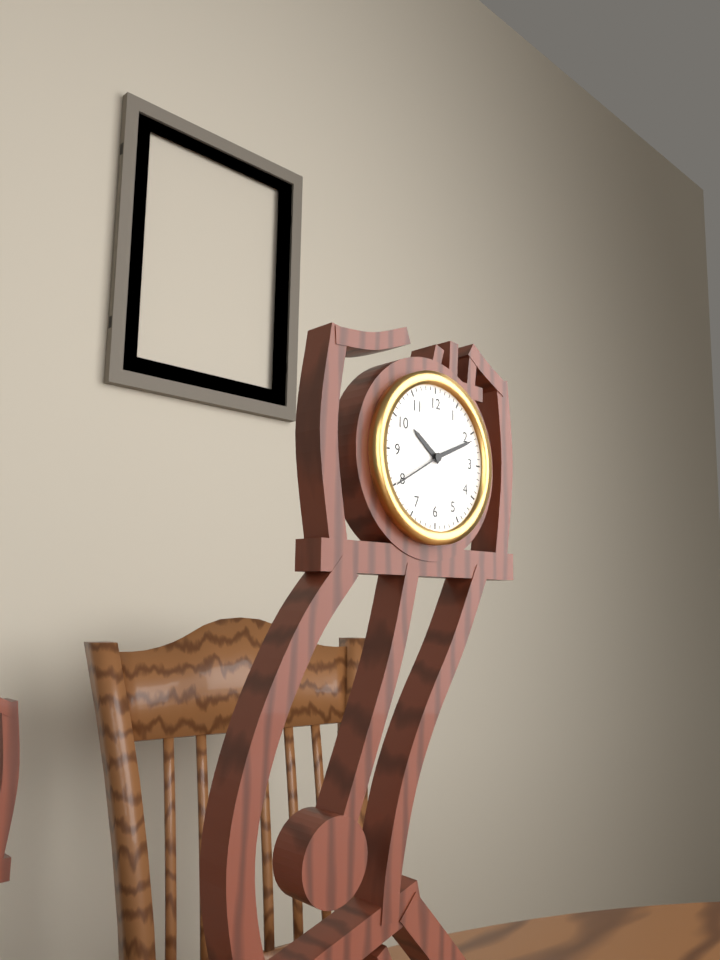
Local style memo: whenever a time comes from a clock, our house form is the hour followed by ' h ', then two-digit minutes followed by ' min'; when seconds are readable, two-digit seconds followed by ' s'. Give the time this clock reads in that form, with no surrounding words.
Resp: 10 h 11 min 40 s
